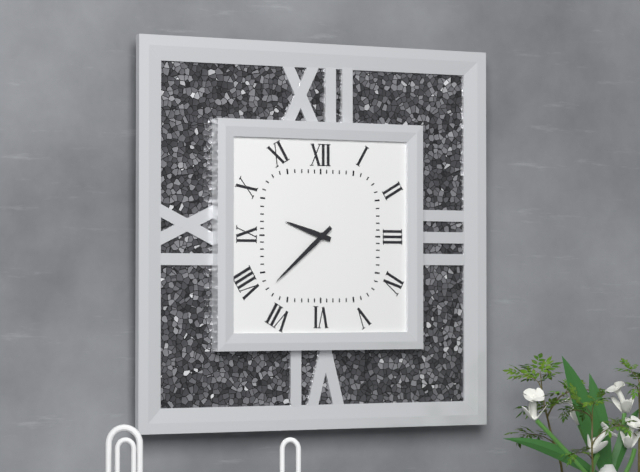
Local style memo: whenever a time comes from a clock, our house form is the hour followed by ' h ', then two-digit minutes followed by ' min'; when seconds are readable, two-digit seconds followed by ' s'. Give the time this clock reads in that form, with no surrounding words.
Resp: 9 h 38 min
